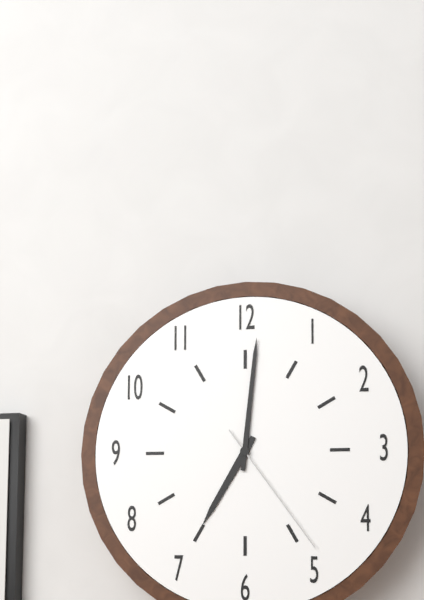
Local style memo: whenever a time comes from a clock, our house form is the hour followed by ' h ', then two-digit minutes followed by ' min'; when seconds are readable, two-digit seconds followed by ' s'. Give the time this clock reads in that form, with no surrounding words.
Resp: 7 h 01 min 24 s
